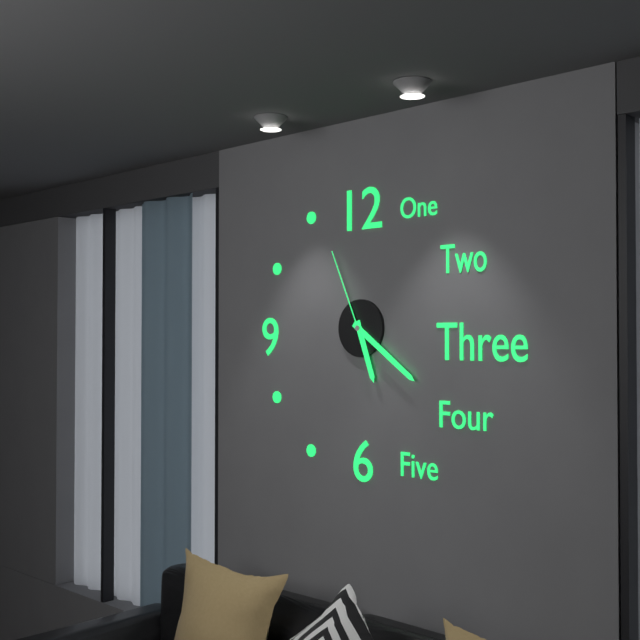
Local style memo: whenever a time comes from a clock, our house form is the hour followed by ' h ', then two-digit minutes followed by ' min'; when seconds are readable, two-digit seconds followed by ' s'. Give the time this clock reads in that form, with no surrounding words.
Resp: 5 h 21 min 56 s
